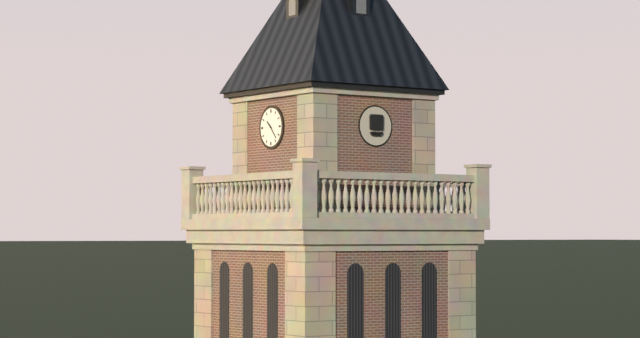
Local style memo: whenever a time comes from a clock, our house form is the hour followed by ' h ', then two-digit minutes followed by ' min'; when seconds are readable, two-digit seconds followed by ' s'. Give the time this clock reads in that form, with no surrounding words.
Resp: 10 h 23 min
